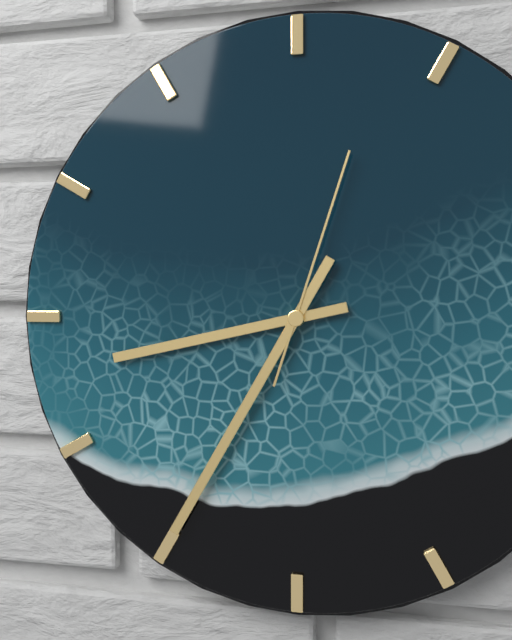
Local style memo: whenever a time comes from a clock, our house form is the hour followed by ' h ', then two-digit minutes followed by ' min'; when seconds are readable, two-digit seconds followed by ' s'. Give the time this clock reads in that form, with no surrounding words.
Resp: 8 h 35 min 03 s
